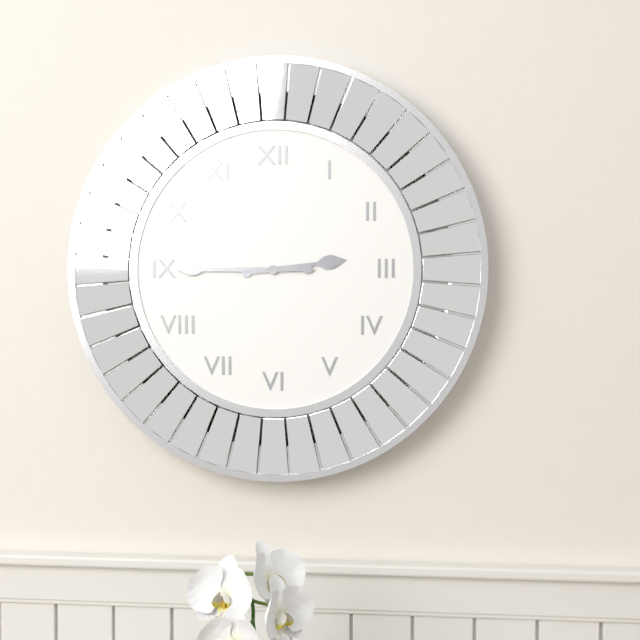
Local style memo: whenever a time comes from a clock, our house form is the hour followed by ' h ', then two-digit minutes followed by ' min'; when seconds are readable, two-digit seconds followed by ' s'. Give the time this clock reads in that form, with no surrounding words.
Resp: 2 h 45 min
